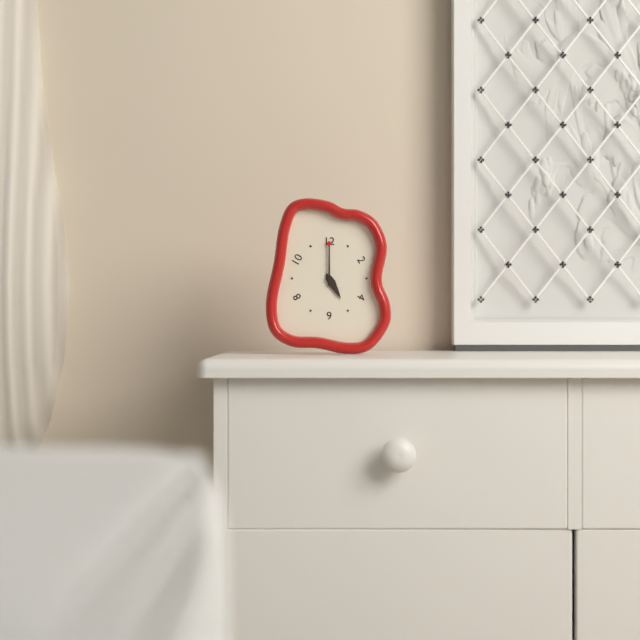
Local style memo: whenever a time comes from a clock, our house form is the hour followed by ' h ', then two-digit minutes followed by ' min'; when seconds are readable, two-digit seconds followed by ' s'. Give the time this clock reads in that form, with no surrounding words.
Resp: 5 h 00 min
